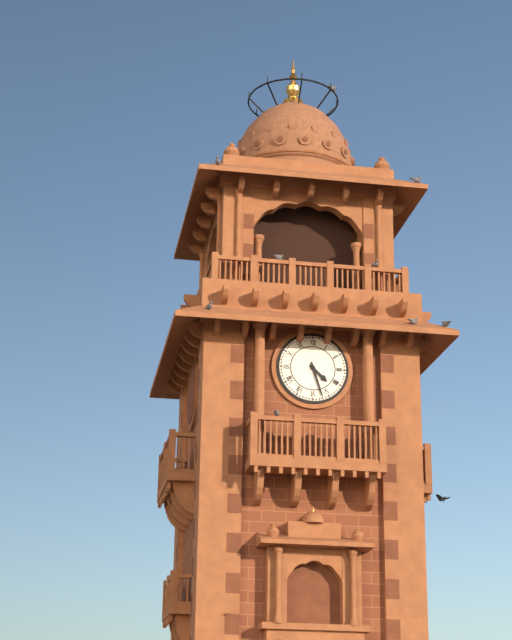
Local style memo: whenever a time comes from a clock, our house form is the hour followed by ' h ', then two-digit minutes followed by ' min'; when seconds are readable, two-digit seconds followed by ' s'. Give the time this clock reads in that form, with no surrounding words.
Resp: 4 h 27 min
